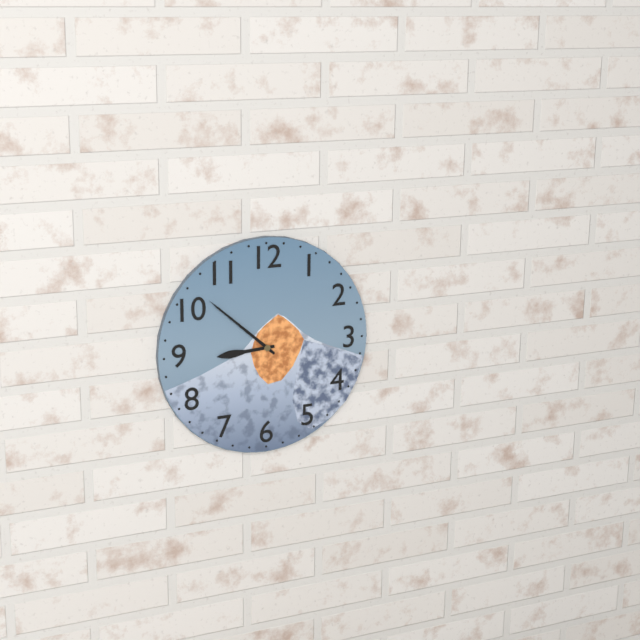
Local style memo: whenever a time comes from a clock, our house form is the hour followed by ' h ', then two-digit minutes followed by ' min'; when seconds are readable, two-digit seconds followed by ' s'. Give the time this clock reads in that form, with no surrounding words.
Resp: 8 h 52 min
